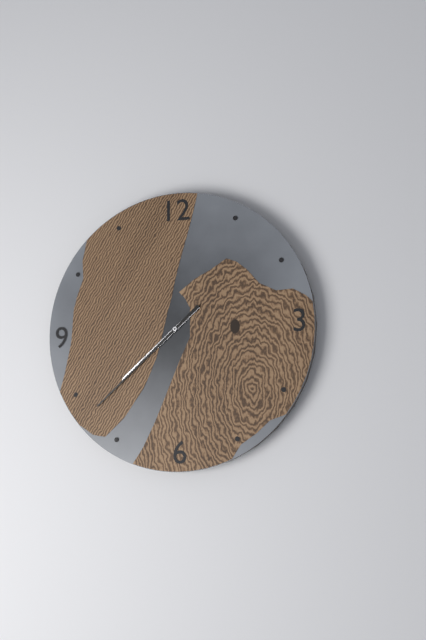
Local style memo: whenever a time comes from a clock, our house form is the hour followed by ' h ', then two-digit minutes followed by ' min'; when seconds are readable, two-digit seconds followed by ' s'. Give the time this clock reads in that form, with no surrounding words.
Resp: 7 h 38 min
